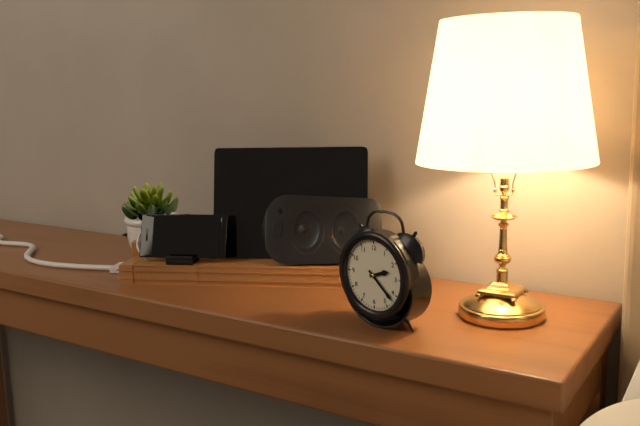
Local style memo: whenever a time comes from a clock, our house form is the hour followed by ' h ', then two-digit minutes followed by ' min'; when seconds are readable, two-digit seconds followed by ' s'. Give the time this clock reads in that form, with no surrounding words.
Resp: 2 h 22 min
